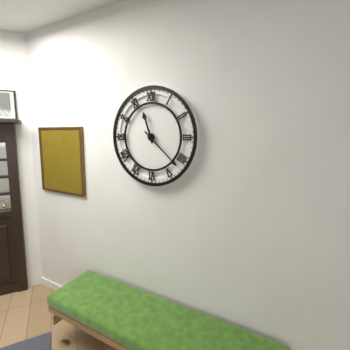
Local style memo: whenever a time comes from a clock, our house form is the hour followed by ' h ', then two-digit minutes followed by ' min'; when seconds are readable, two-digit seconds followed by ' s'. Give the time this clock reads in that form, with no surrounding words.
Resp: 11 h 22 min
